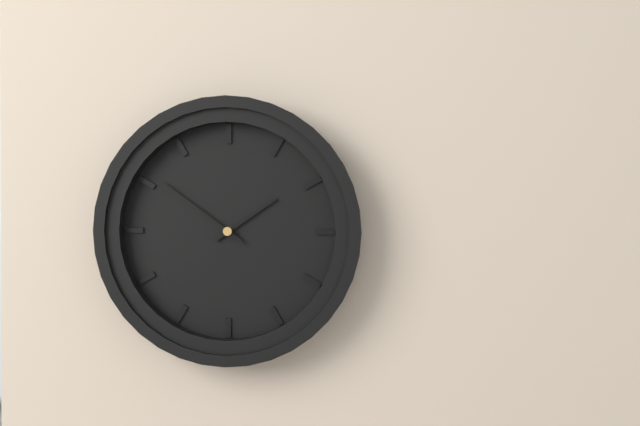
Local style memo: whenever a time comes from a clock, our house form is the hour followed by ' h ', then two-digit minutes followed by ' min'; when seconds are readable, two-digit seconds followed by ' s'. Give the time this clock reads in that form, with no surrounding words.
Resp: 1 h 51 min
